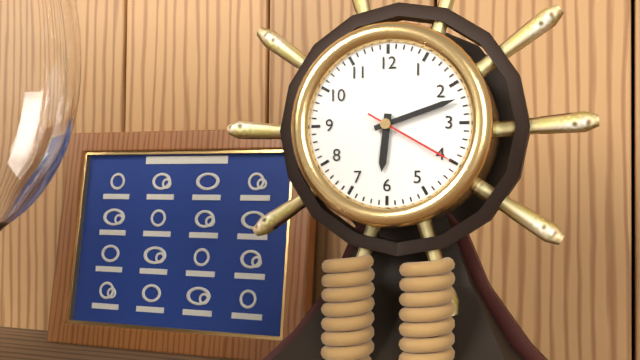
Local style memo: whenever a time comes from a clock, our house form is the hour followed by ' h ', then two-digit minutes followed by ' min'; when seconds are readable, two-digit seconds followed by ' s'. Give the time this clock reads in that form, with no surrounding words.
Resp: 6 h 12 min 20 s
